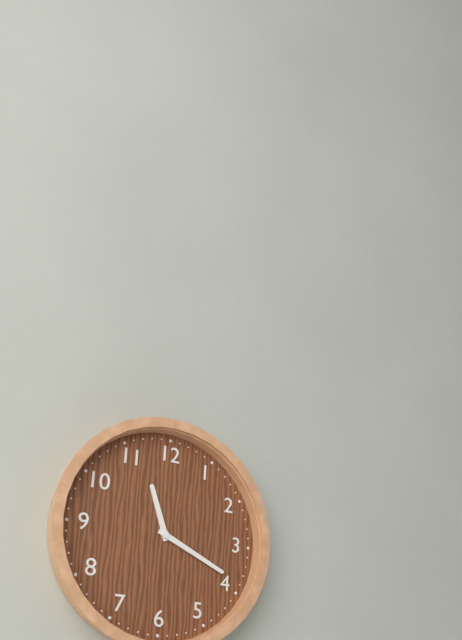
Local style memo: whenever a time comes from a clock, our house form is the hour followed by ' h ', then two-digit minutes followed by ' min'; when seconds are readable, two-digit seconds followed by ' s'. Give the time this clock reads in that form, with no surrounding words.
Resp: 11 h 19 min
